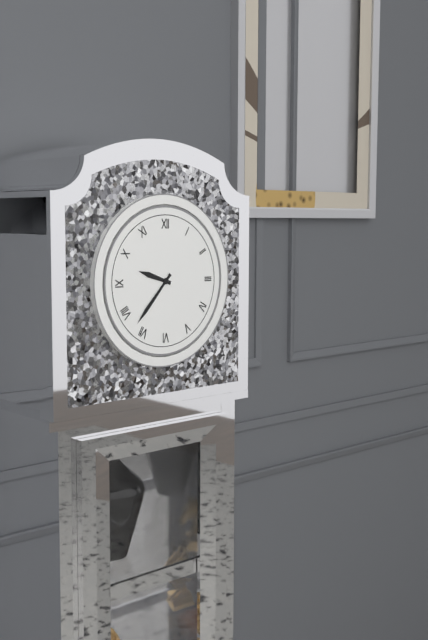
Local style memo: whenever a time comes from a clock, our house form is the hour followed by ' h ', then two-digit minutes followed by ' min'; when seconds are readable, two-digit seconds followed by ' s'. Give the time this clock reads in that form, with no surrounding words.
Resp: 9 h 37 min
